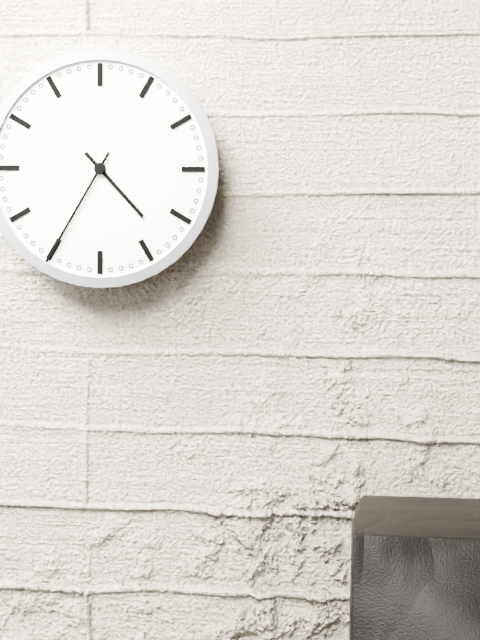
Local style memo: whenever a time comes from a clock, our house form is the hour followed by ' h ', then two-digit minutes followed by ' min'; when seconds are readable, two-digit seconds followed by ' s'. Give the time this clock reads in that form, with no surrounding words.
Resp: 4 h 35 min
